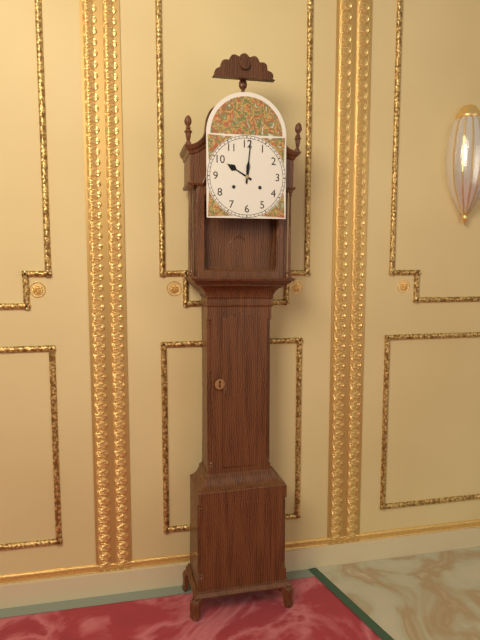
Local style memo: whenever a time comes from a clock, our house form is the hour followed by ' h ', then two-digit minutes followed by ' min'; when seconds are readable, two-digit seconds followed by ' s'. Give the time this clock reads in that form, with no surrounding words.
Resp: 10 h 01 min
